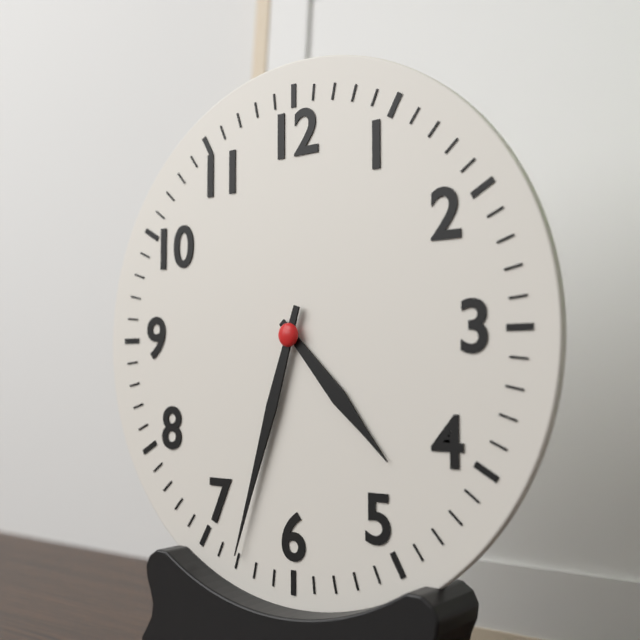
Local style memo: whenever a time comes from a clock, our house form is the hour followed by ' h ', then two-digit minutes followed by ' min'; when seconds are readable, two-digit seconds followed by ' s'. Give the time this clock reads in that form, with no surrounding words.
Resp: 4 h 33 min
